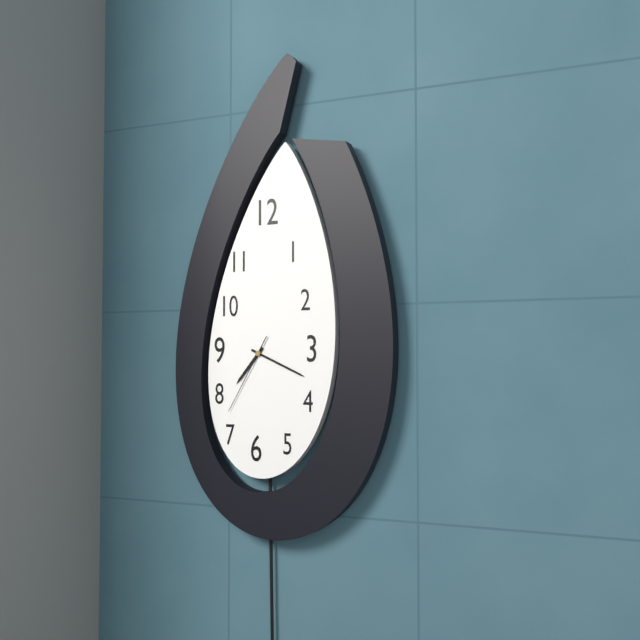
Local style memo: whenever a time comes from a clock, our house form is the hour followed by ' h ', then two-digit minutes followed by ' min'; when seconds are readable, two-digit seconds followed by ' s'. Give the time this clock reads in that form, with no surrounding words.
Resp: 7 h 19 min 35 s
